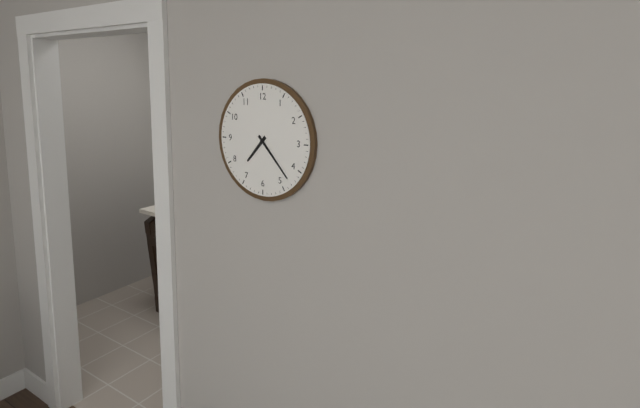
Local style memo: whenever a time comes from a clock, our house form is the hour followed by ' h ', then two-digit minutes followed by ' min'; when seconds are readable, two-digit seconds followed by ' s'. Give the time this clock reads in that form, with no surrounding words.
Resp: 7 h 23 min
